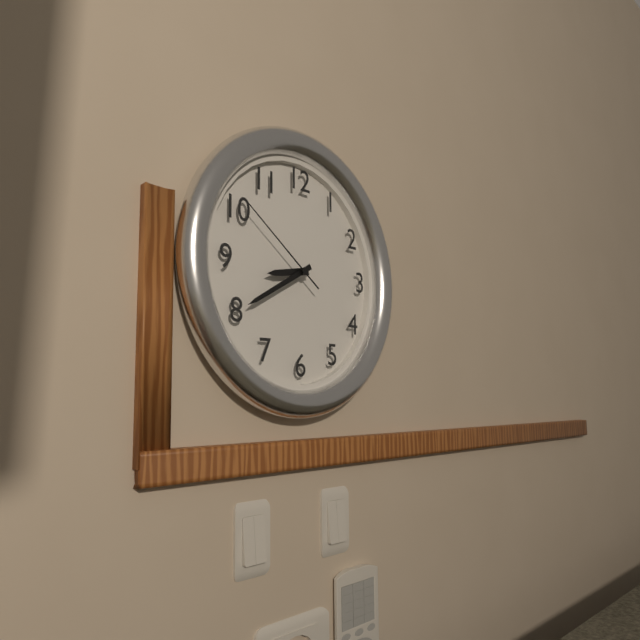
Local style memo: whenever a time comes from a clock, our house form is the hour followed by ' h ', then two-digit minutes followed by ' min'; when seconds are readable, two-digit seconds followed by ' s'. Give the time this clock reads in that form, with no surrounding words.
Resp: 8 h 40 min 51 s
